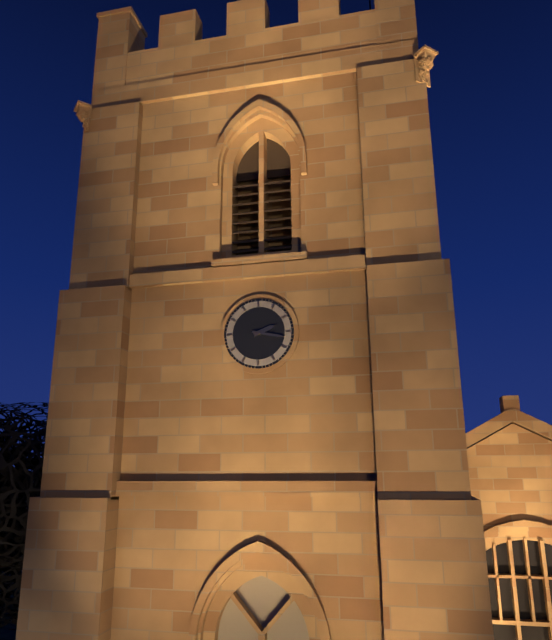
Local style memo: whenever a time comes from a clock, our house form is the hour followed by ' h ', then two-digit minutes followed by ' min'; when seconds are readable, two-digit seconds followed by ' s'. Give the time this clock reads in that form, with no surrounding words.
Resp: 2 h 17 min
